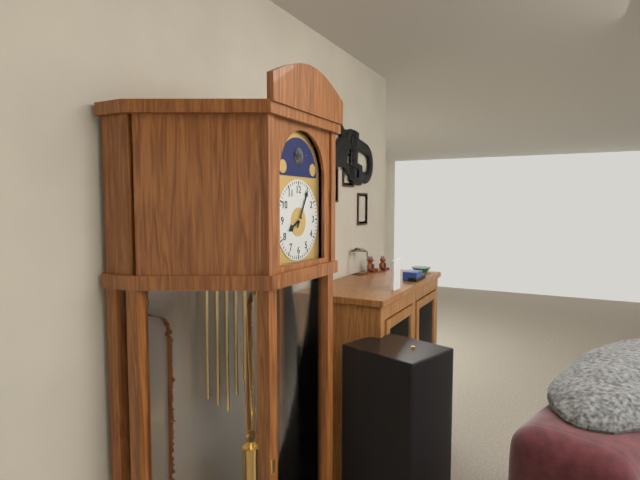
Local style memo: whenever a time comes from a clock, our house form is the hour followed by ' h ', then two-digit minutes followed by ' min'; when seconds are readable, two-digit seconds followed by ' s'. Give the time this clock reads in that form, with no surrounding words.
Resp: 8 h 05 min
